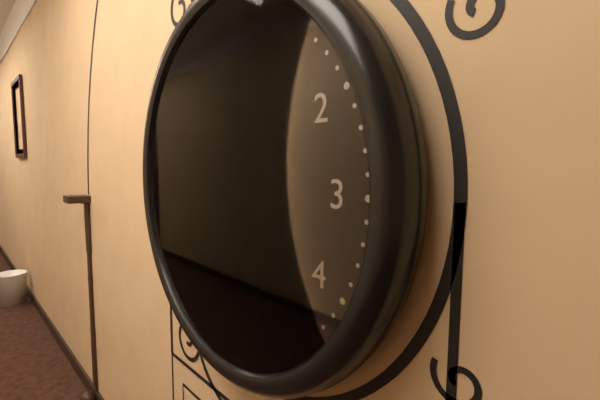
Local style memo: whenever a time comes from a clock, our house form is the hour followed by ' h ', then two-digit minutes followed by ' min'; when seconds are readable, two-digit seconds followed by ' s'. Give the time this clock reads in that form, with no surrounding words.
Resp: 3 h 44 min
